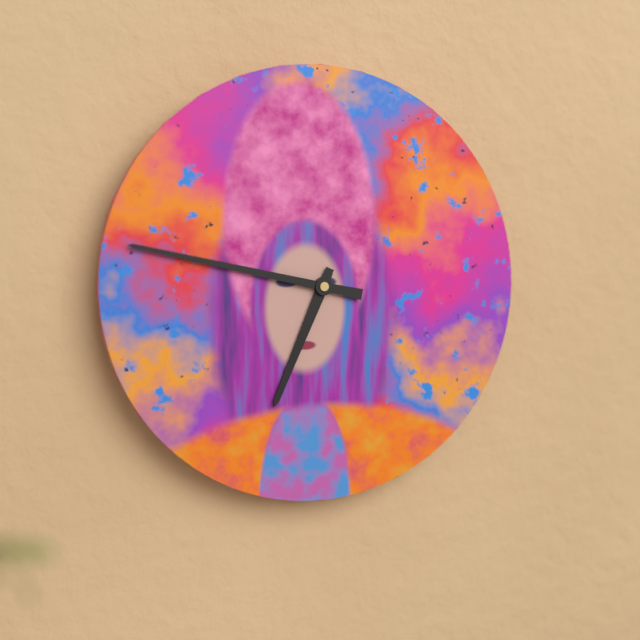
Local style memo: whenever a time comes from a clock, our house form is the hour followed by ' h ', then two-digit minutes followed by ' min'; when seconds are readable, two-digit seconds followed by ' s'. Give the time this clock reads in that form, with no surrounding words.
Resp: 6 h 47 min
